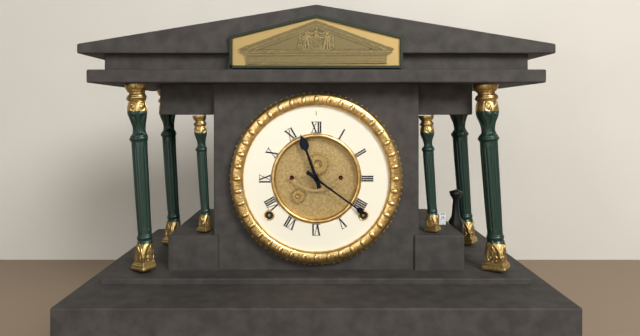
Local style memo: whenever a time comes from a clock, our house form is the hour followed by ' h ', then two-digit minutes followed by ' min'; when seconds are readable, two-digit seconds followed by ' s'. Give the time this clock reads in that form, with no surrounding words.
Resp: 11 h 21 min
